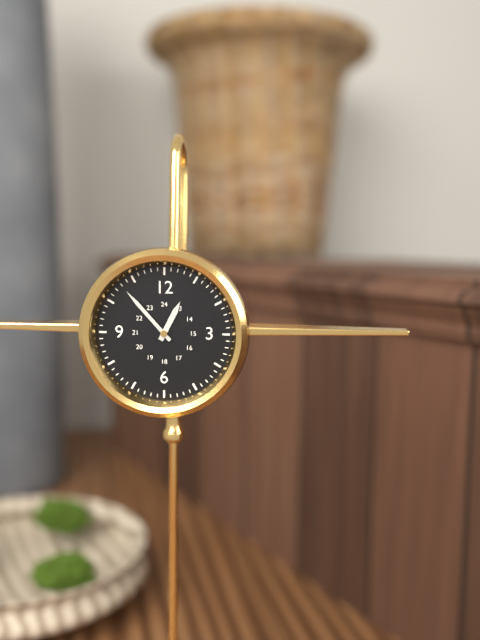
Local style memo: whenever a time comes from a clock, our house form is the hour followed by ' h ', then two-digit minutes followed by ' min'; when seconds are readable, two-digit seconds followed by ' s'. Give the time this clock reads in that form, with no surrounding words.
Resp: 12 h 53 min
